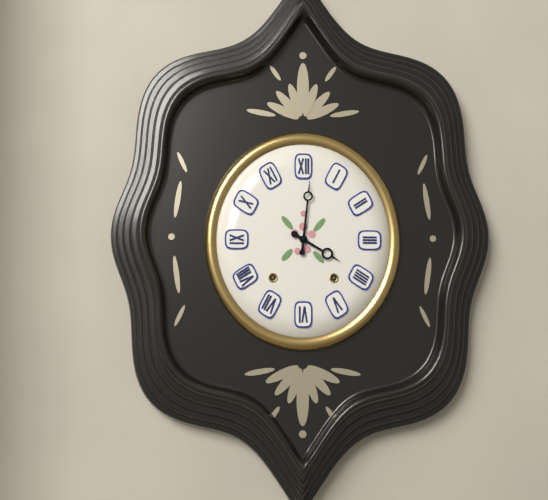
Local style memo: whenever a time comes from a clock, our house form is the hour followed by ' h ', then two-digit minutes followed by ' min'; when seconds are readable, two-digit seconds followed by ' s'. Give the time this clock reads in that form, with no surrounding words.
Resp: 4 h 01 min
